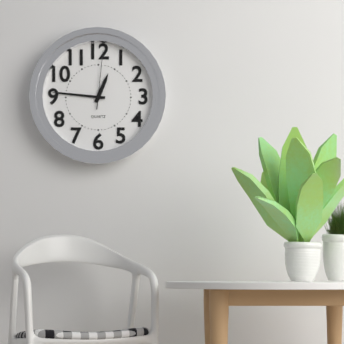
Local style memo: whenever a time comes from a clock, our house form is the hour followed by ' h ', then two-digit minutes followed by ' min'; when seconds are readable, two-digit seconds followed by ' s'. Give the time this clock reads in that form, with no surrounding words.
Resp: 12 h 46 min 01 s
